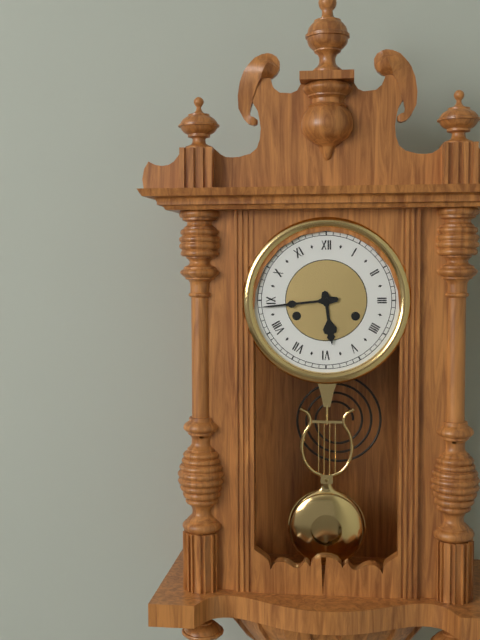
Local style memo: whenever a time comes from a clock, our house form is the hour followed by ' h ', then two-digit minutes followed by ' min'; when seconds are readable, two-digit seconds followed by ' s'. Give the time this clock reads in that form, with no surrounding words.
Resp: 5 h 44 min
